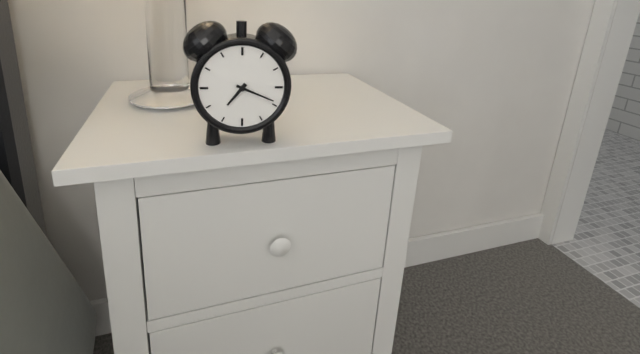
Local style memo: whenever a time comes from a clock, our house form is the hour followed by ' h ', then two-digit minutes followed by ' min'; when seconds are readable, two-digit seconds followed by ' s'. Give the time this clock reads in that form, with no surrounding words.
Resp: 7 h 19 min
